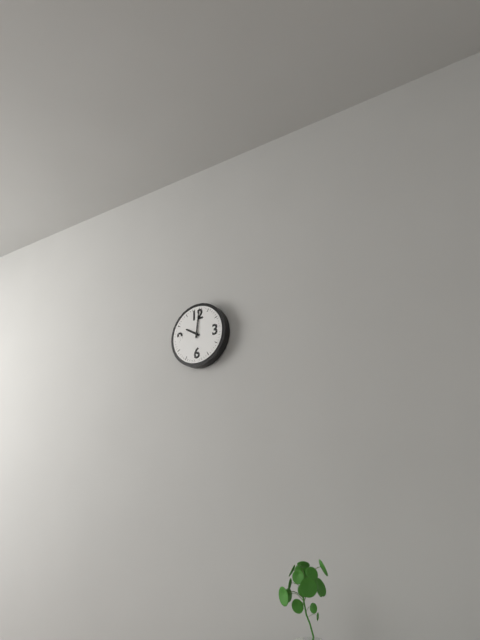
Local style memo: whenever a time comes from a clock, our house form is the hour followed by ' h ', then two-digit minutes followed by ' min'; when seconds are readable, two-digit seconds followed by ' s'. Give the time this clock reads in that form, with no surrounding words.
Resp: 10 h 01 min
